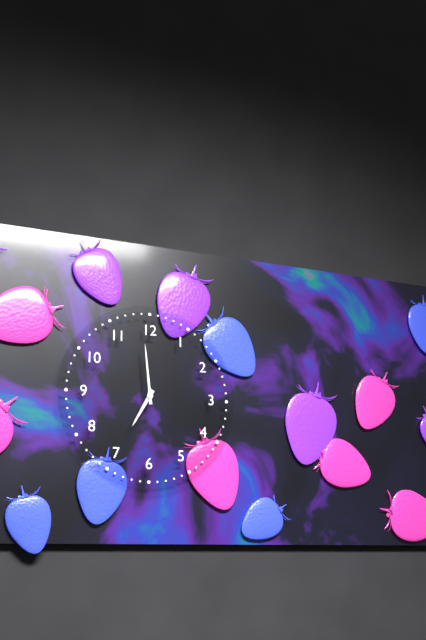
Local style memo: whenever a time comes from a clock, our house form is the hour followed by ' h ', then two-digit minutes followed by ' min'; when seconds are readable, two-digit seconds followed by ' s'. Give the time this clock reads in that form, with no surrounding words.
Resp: 6 h 59 min
